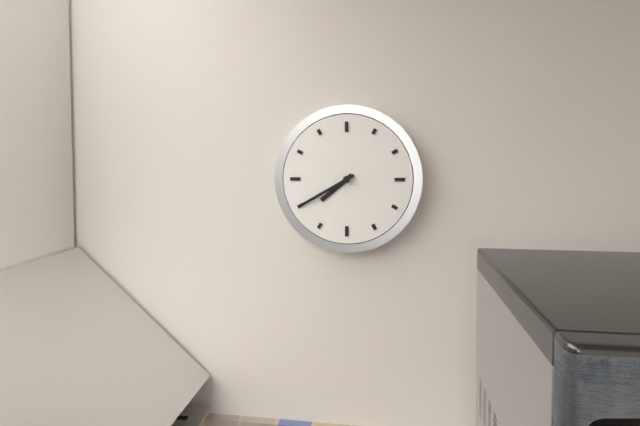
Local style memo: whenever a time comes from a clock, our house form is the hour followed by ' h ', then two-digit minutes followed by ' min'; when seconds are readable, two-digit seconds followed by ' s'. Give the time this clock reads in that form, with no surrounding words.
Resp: 7 h 40 min
